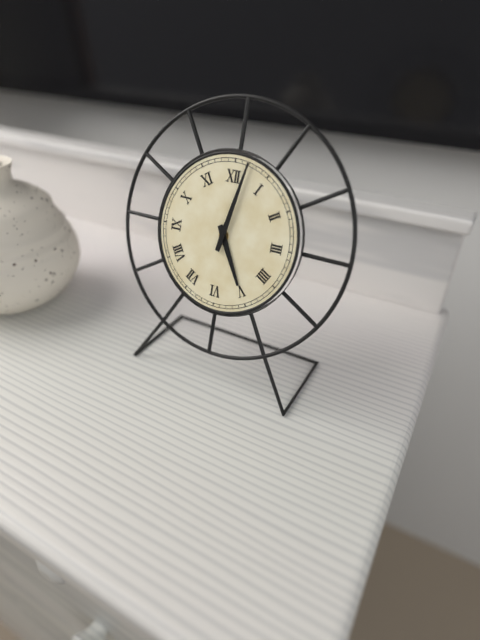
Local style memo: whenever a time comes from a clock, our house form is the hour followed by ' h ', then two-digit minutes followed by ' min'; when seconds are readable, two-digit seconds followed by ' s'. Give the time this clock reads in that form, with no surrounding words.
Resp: 5 h 02 min
